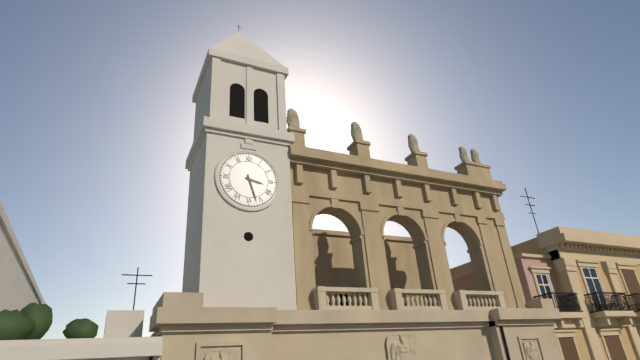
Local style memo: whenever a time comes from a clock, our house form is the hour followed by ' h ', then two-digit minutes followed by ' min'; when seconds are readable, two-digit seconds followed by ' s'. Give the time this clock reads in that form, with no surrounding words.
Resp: 3 h 27 min
